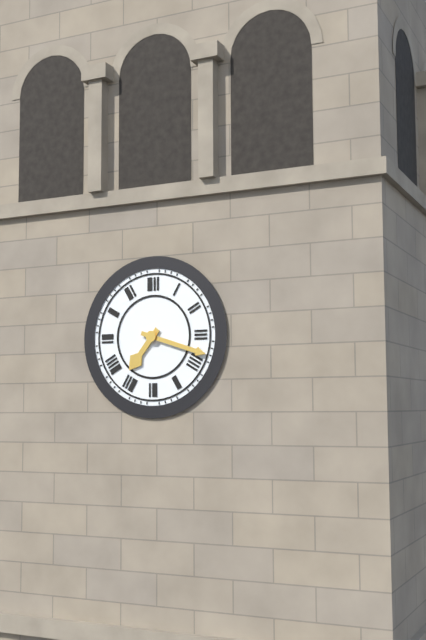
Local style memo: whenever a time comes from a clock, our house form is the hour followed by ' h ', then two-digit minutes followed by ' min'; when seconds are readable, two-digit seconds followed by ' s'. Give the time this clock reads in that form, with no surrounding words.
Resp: 7 h 18 min
